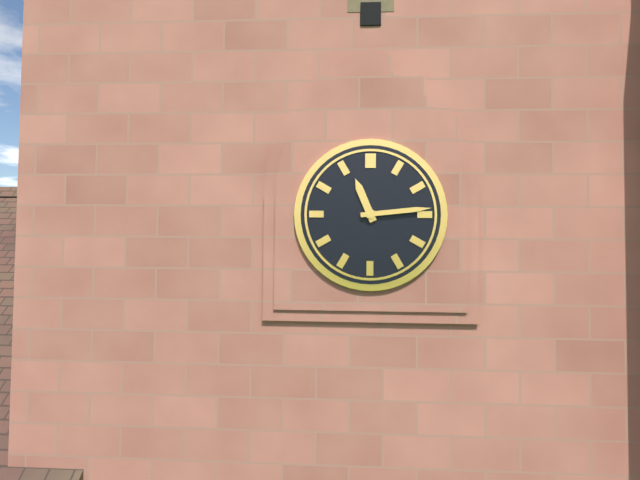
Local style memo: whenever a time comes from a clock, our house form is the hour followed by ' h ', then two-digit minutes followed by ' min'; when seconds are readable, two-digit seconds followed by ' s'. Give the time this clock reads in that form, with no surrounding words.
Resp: 11 h 14 min
